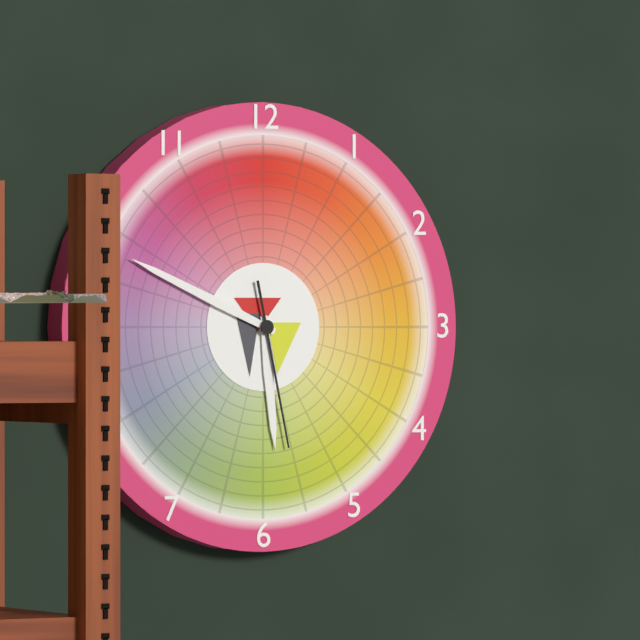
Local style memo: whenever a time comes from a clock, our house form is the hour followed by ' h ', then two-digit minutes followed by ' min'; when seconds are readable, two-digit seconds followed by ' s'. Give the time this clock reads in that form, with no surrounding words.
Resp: 5 h 49 min 28 s
